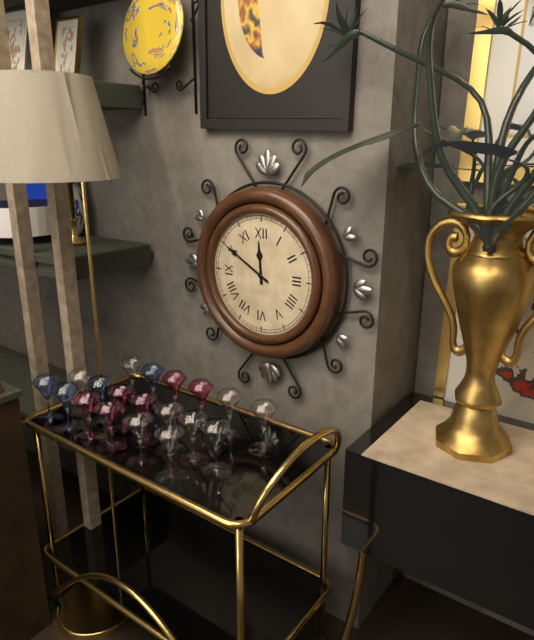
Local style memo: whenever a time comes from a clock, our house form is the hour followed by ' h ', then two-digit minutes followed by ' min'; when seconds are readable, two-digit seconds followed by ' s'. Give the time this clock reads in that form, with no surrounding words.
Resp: 11 h 50 min
